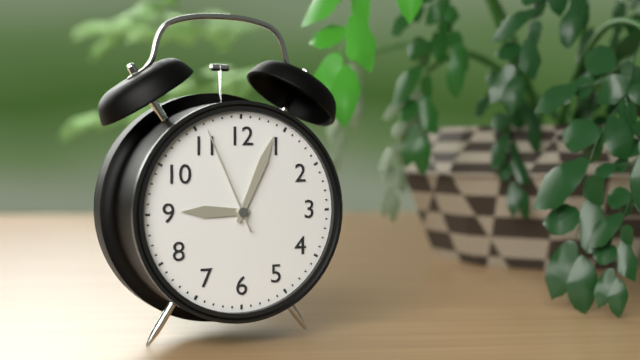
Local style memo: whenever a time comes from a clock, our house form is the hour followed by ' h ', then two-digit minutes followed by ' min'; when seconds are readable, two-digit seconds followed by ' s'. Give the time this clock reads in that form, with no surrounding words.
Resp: 9 h 04 min 56 s
